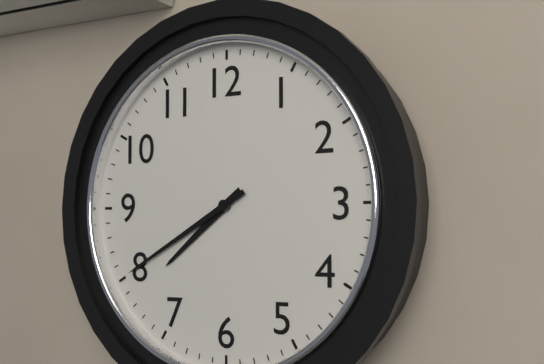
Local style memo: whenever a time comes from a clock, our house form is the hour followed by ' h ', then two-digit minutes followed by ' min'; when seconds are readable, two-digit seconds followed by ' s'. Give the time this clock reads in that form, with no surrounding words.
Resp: 7 h 40 min
